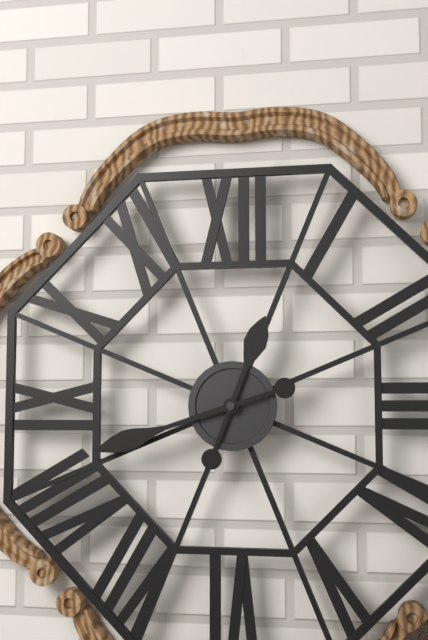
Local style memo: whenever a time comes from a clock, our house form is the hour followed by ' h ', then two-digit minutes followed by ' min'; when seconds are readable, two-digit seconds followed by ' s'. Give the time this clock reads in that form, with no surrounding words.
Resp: 12 h 42 min
